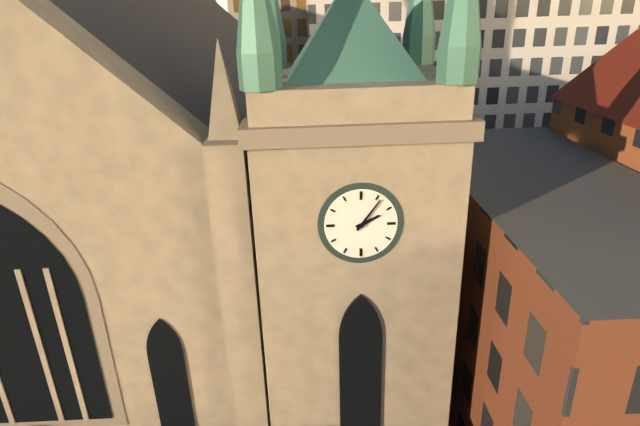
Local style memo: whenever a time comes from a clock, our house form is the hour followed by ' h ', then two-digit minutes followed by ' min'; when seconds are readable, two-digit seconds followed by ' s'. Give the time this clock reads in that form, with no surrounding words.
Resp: 2 h 06 min
